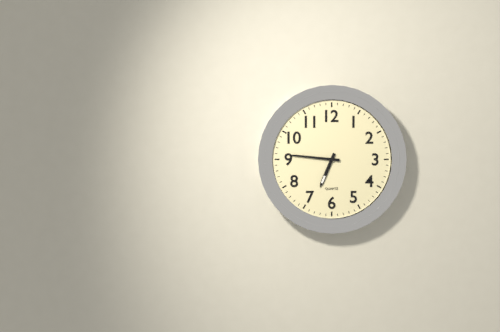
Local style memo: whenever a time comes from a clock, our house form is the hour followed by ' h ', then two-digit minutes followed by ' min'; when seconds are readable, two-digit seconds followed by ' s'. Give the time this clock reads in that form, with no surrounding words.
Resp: 6 h 46 min
